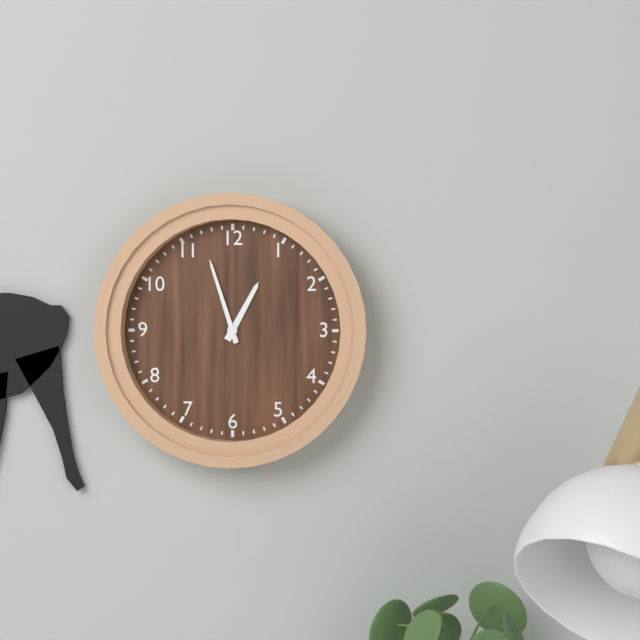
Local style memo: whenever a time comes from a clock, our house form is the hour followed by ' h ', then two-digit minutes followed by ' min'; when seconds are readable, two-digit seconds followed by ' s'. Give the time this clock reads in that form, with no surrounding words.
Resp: 12 h 57 min
